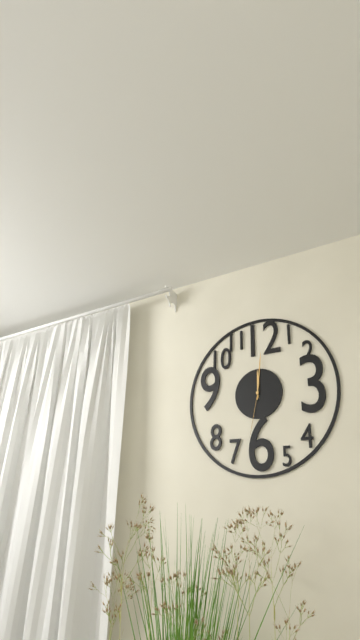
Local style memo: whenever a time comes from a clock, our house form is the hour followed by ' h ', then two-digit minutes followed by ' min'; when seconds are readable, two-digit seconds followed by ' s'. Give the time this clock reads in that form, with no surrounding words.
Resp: 12 h 01 min 32 s
